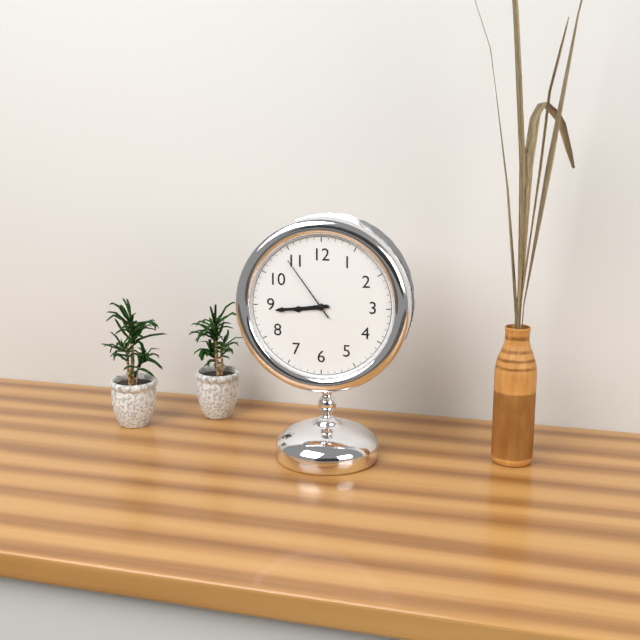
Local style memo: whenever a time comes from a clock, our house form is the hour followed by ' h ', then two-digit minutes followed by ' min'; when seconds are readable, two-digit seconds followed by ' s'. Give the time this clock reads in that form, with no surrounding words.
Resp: 8 h 44 min 54 s
